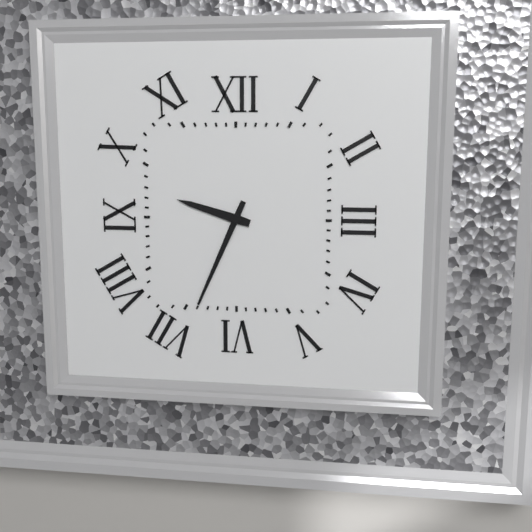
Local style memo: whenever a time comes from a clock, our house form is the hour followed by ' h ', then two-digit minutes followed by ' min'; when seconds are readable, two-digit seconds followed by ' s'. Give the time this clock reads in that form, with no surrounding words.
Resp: 9 h 34 min
